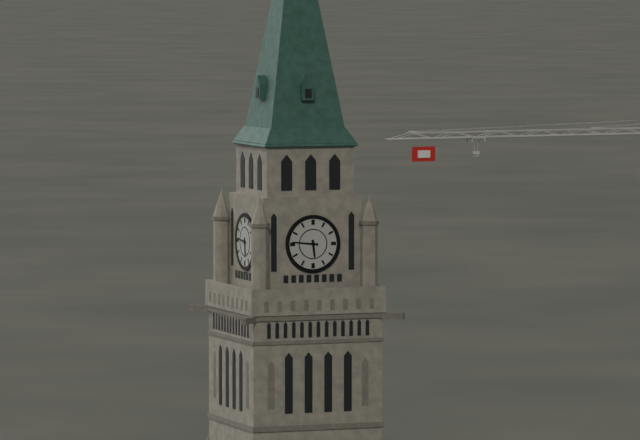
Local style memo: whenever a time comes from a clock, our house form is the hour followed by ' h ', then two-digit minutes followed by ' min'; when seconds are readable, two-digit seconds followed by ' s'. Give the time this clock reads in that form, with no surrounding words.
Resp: 5 h 46 min
